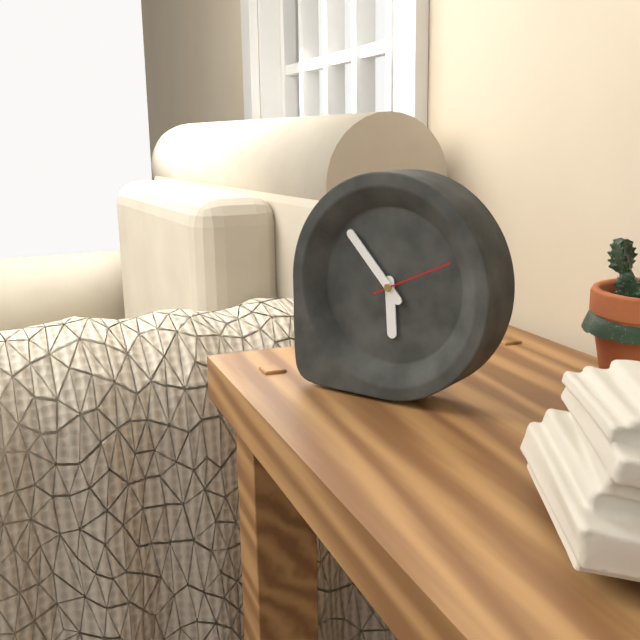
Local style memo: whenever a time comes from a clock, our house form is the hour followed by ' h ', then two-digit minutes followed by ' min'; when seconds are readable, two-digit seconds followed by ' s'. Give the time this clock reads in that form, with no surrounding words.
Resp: 5 h 53 min 11 s
